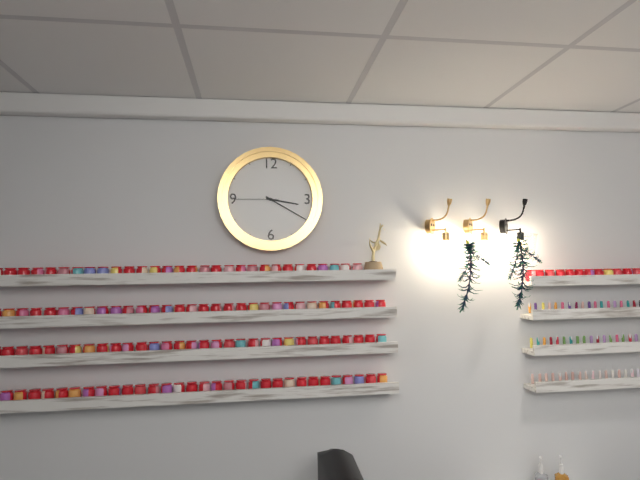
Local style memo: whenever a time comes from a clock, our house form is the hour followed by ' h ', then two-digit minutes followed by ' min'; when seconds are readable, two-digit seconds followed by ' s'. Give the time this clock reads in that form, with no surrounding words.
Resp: 3 h 20 min 45 s
